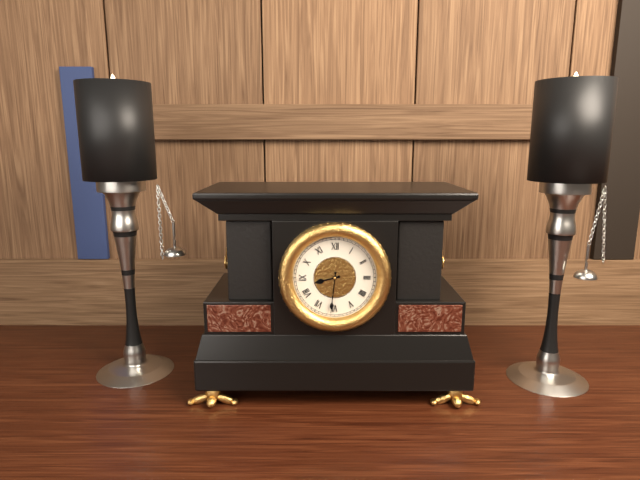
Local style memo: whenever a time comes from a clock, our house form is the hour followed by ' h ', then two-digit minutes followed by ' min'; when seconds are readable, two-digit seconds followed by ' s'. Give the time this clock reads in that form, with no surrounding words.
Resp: 8 h 31 min
